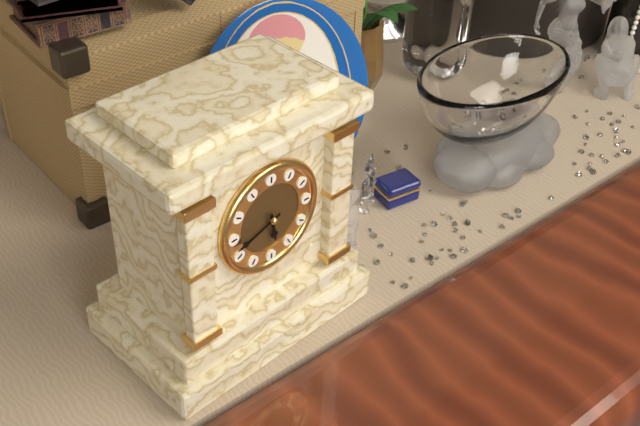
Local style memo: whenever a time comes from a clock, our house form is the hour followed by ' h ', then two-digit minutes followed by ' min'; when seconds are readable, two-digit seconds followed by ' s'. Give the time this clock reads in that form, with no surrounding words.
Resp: 5 h 42 min
